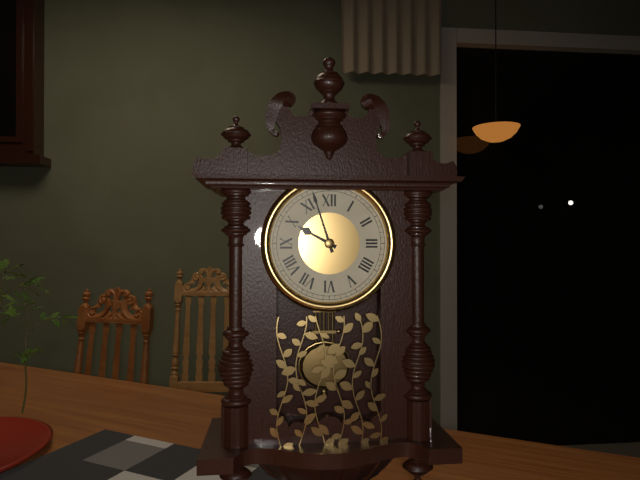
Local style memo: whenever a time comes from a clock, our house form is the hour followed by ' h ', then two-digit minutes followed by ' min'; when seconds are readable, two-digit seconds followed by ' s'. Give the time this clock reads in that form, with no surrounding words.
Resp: 9 h 57 min
